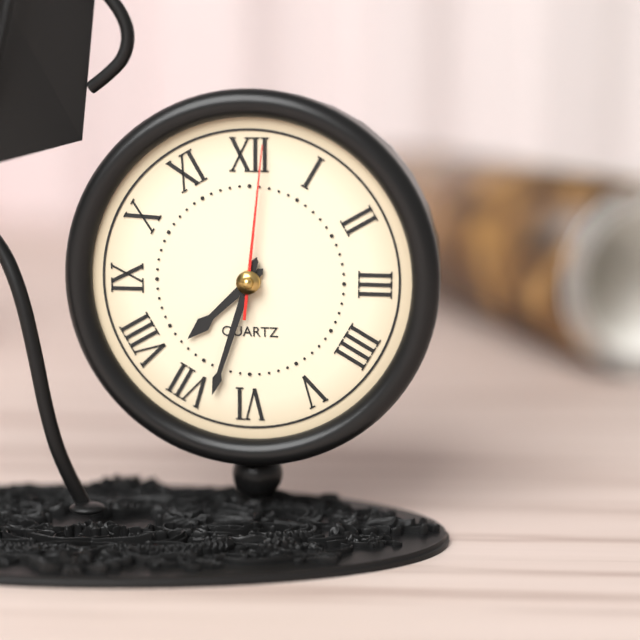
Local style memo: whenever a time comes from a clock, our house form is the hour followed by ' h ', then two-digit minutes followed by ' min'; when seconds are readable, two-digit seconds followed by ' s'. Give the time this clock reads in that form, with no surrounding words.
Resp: 7 h 33 min 01 s
